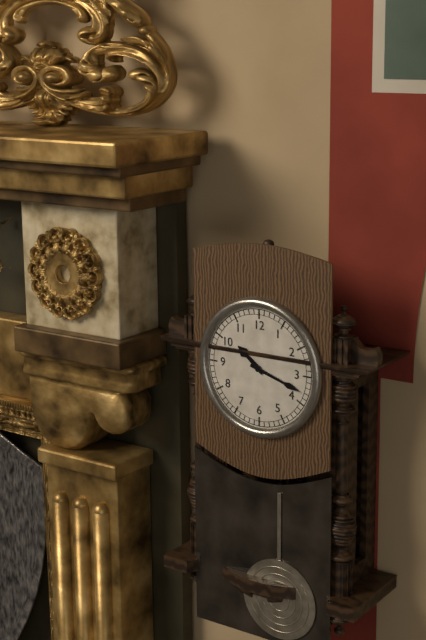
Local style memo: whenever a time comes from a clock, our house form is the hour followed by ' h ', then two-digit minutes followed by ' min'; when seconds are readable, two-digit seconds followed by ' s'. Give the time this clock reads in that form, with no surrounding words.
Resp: 10 h 18 min
